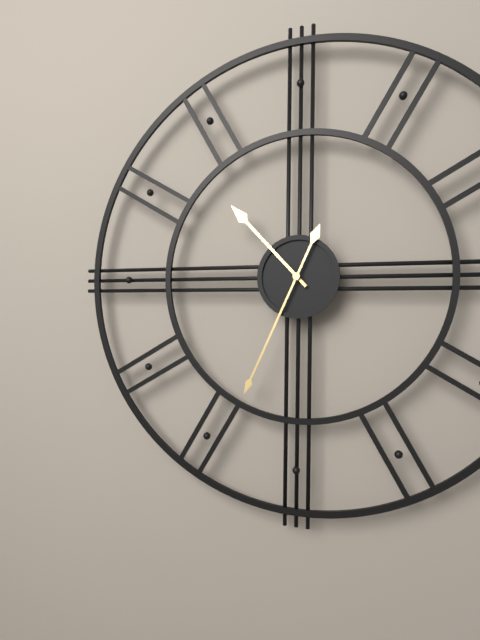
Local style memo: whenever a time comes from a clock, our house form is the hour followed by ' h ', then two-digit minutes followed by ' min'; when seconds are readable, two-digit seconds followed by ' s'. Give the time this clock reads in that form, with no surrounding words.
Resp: 10 h 34 min
